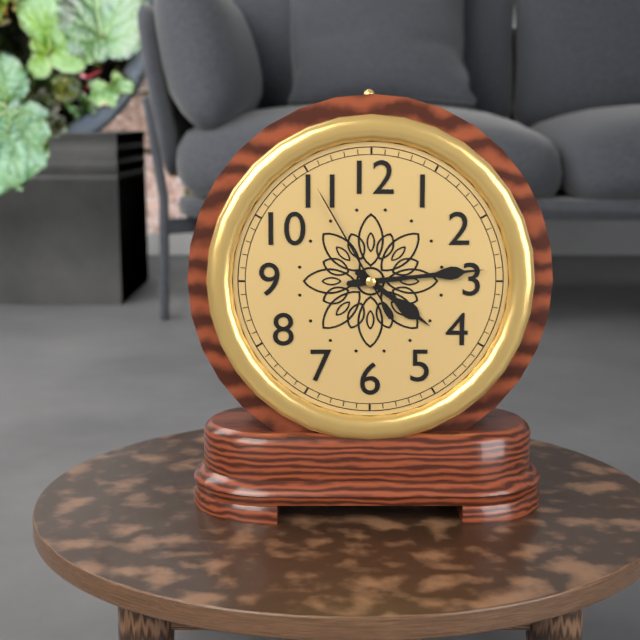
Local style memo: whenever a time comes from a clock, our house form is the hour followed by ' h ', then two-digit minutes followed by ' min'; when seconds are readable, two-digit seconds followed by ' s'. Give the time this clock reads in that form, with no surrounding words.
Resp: 4 h 14 min 55 s
